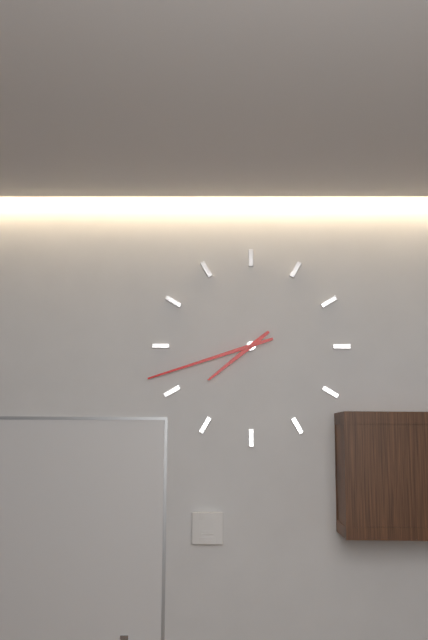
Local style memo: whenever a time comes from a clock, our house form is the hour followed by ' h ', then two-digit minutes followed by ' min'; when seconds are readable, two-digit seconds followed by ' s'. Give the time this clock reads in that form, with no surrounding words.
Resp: 7 h 42 min
